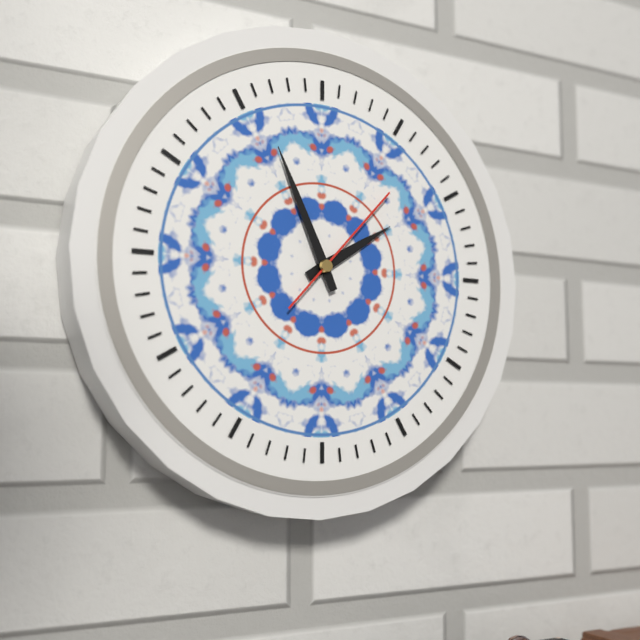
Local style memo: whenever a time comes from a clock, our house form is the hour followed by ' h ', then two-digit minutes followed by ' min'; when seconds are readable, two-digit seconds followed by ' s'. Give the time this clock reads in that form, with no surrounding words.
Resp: 1 h 56 min 07 s
